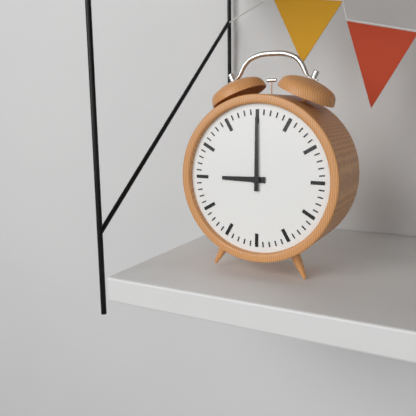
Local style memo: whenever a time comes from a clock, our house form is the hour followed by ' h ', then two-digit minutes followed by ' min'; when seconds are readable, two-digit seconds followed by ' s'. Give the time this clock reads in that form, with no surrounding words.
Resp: 9 h 00 min
